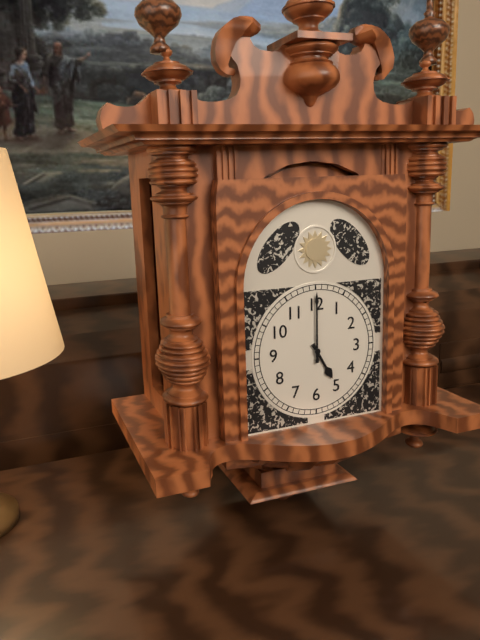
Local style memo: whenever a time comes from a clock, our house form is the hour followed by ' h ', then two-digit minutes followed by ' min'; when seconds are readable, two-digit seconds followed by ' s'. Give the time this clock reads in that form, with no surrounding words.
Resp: 5 h 00 min
